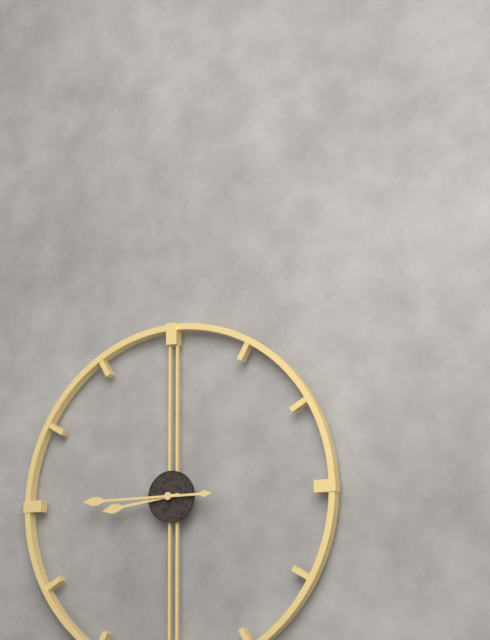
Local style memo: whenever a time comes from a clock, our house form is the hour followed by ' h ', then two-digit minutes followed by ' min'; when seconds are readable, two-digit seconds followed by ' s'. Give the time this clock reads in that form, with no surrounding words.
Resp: 8 h 45 min
